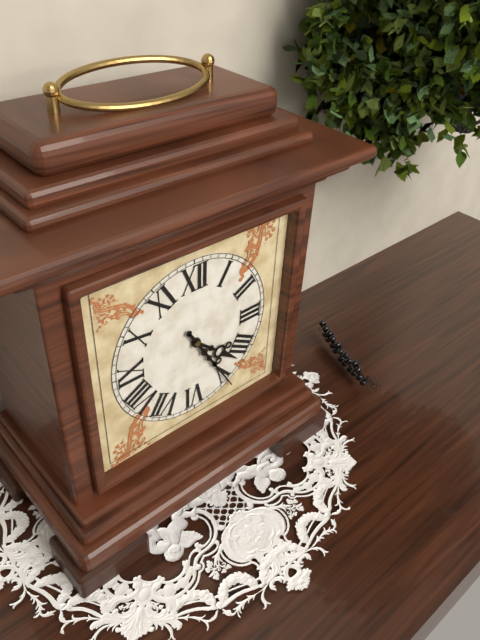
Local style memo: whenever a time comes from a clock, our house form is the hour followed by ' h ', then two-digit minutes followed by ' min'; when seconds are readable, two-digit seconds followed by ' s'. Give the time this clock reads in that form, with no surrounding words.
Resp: 4 h 25 min
